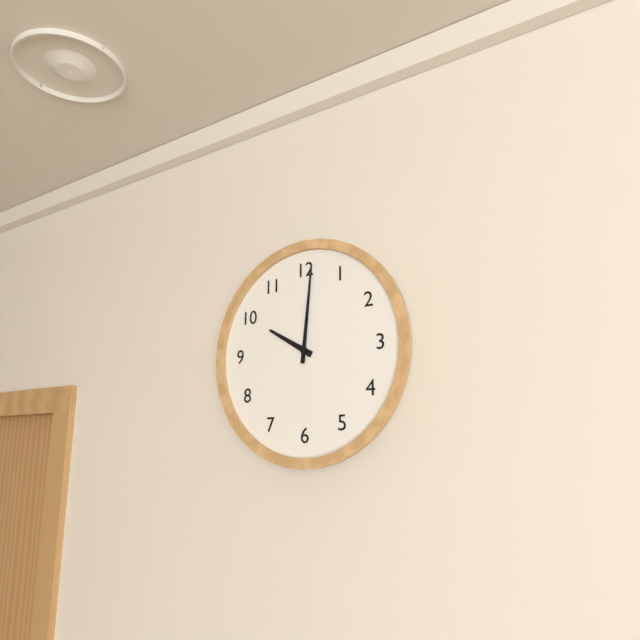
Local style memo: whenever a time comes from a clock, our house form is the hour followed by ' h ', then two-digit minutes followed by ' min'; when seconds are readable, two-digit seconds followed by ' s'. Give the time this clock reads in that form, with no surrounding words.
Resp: 10 h 01 min
